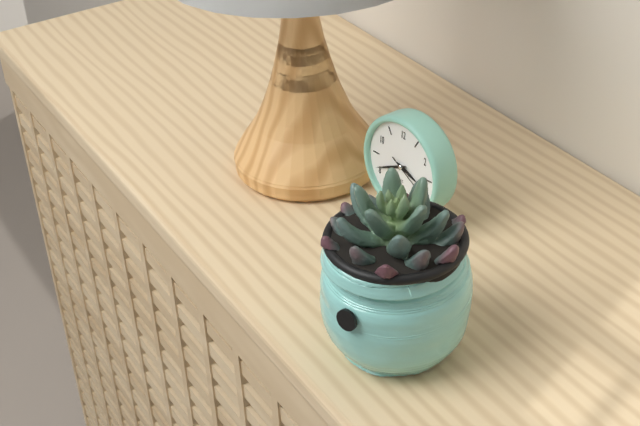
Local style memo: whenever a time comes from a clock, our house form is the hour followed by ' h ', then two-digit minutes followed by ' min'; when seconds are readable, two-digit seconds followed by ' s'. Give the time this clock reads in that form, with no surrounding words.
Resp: 3 h 41 min
